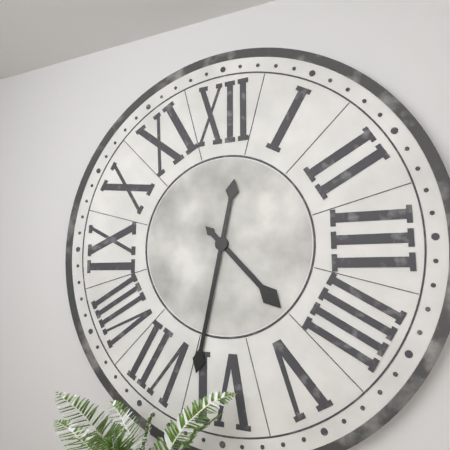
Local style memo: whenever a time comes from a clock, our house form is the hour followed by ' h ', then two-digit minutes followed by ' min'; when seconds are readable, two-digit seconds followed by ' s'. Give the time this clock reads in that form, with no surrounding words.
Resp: 4 h 32 min
